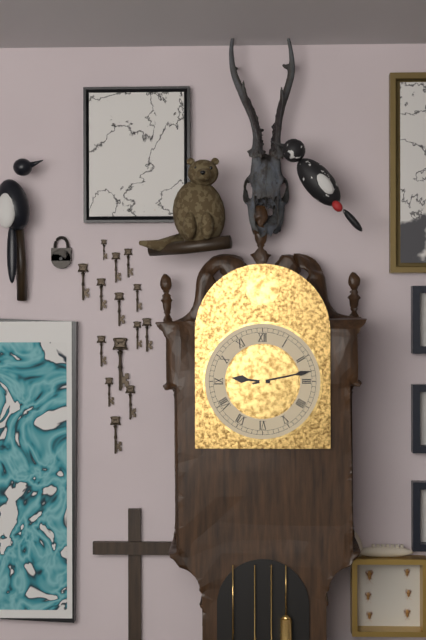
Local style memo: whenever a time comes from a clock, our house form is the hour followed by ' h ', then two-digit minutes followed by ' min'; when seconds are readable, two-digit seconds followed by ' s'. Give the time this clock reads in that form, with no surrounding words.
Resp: 9 h 13 min
